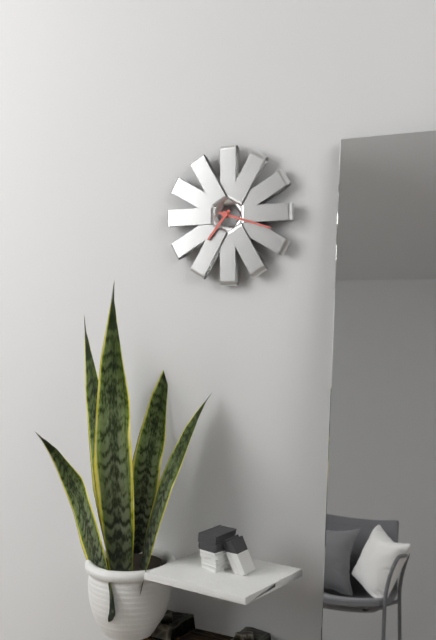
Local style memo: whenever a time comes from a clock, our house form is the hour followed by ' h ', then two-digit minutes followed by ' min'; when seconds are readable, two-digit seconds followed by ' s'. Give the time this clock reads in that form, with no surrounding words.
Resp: 7 h 18 min
